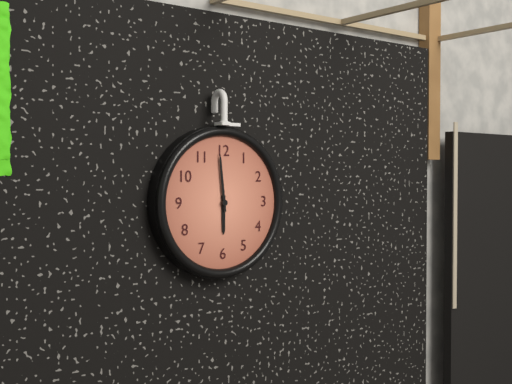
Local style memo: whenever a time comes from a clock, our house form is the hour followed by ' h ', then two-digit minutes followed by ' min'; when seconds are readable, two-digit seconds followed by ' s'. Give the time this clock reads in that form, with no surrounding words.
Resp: 5 h 59 min
